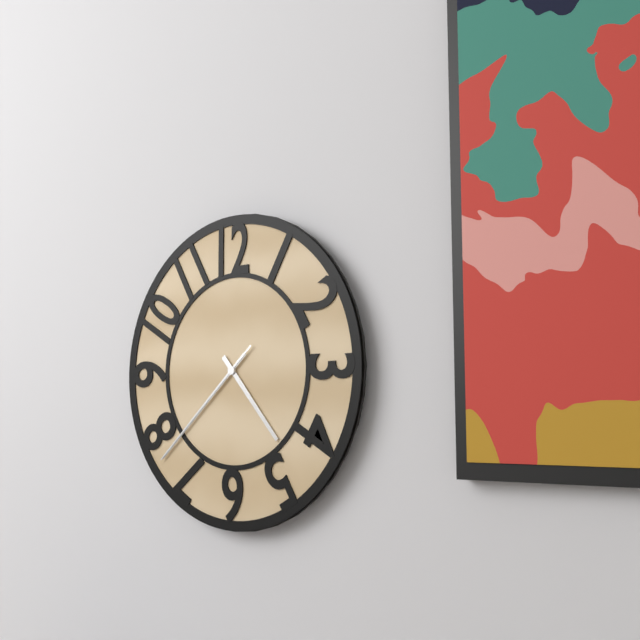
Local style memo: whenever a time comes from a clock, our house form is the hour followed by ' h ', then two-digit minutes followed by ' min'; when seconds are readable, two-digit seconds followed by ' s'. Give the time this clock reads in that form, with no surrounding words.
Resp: 4 h 38 min 38 s
